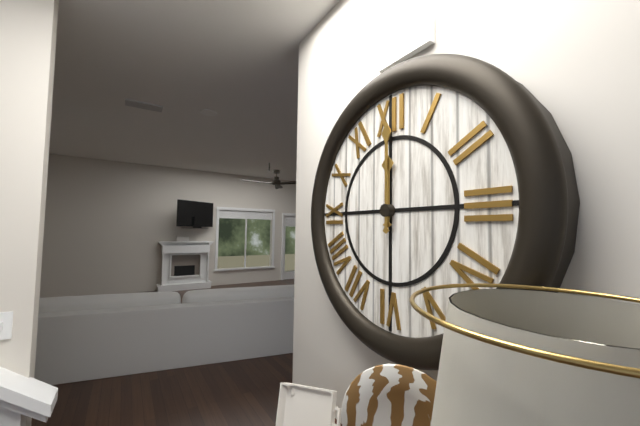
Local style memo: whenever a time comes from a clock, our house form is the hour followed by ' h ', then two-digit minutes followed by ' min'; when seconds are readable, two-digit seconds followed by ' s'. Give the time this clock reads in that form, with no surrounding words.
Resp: 12 h 00 min
